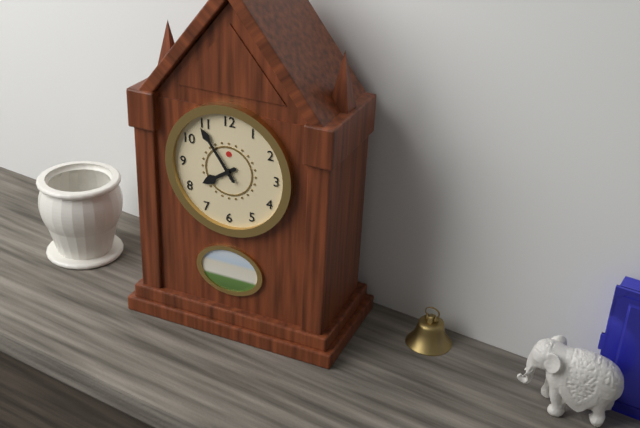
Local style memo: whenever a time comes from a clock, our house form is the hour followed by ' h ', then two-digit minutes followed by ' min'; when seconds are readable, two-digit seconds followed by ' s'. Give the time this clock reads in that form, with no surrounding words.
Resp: 7 h 54 min
